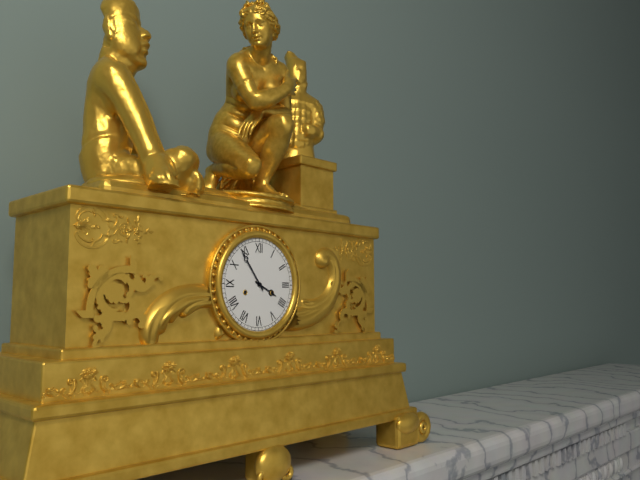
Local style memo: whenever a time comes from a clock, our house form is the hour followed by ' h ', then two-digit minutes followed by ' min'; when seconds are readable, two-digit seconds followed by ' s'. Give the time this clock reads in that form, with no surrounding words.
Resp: 3 h 54 min
